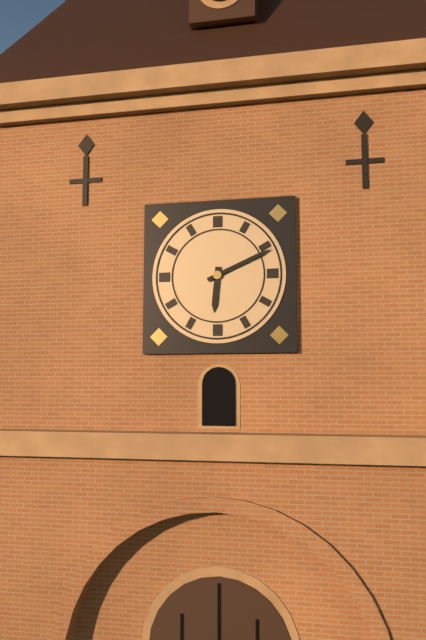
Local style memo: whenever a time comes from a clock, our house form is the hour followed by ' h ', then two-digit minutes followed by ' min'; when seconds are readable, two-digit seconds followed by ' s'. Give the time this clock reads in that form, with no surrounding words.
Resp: 6 h 11 min
